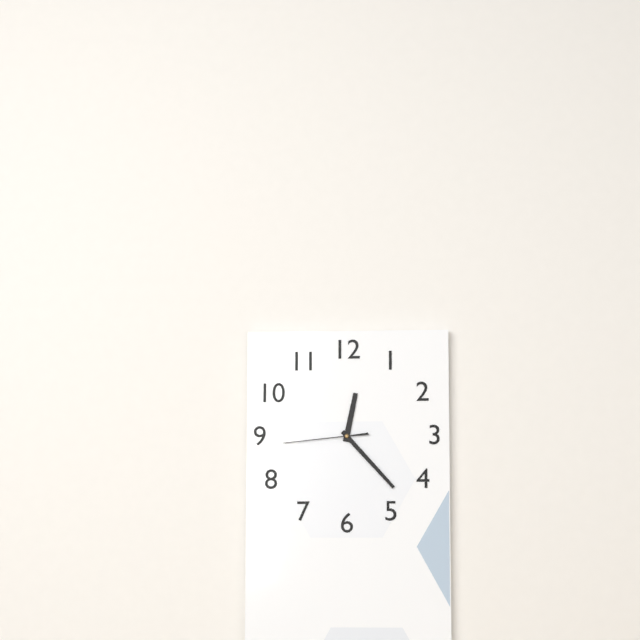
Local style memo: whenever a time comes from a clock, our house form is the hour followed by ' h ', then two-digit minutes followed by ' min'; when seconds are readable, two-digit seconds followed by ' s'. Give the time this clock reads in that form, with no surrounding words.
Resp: 12 h 23 min 44 s
